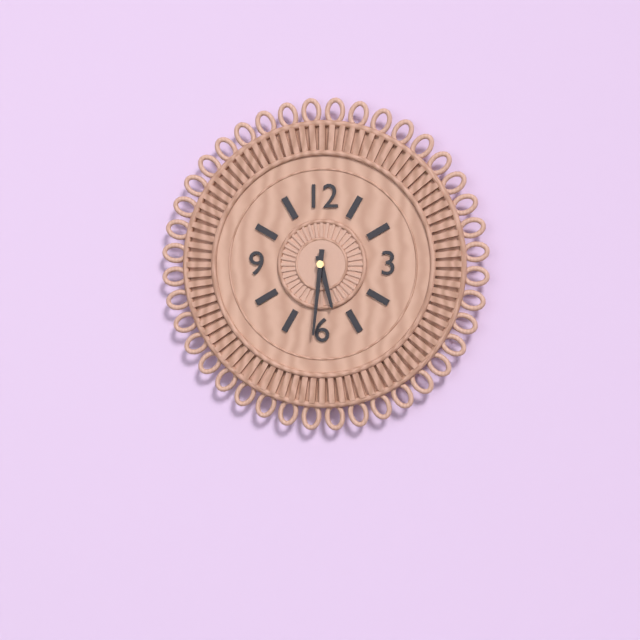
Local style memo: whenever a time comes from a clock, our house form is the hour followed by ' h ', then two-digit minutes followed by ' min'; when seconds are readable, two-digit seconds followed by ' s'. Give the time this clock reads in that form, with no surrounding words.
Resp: 5 h 31 min
